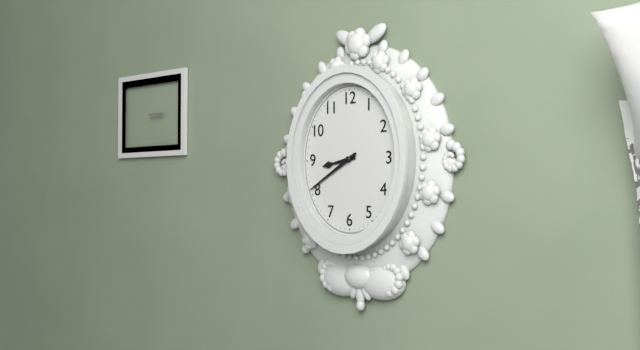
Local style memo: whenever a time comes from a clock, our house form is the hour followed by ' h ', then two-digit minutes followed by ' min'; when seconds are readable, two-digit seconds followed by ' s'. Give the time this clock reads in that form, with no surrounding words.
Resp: 8 h 40 min
